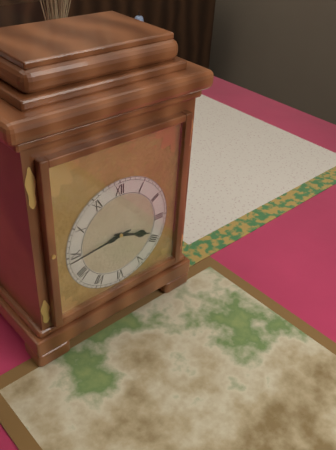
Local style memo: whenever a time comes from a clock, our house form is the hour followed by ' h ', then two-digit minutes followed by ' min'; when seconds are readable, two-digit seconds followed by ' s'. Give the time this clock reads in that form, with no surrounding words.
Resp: 3 h 44 min
